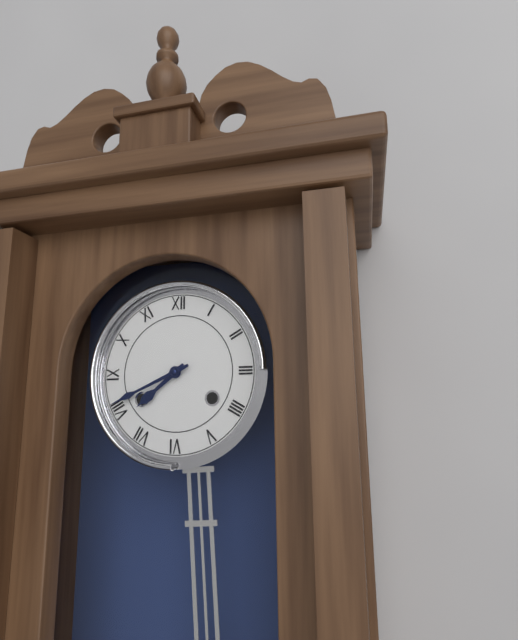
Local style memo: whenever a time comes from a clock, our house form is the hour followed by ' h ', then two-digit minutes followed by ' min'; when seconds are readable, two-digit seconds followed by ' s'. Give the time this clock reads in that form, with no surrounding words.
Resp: 7 h 41 min
